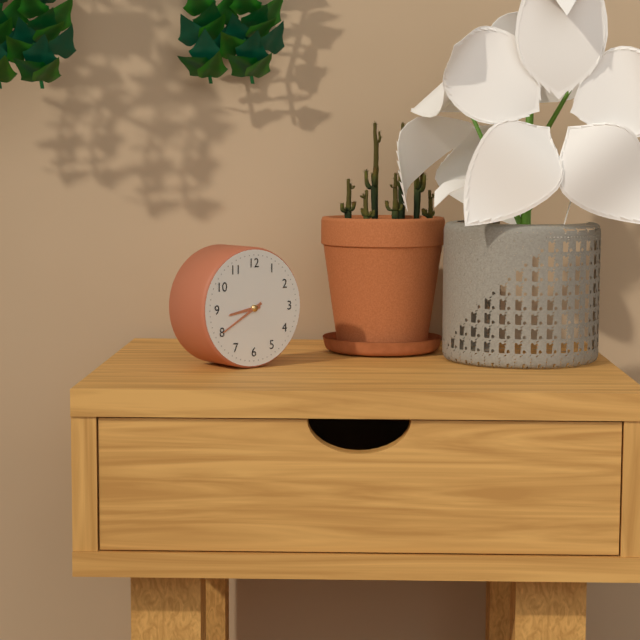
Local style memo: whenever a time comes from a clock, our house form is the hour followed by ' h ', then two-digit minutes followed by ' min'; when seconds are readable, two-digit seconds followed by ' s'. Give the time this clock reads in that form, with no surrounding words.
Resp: 8 h 40 min
